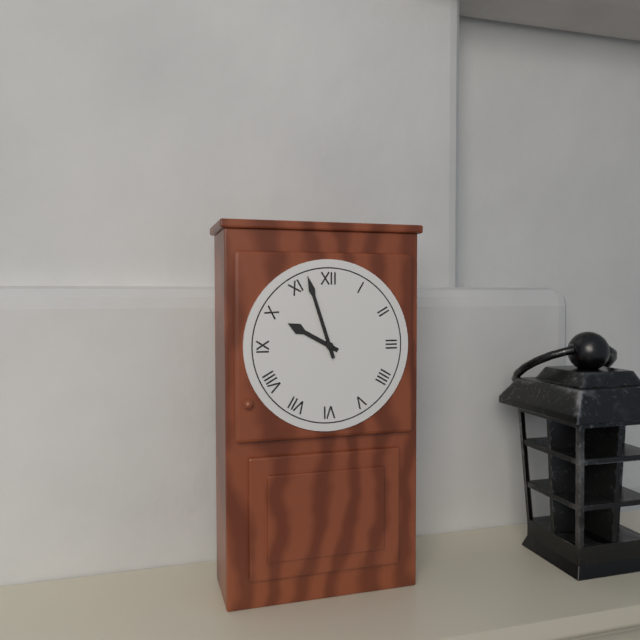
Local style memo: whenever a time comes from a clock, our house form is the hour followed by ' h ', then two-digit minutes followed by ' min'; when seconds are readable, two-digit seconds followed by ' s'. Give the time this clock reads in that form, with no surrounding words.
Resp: 9 h 57 min
